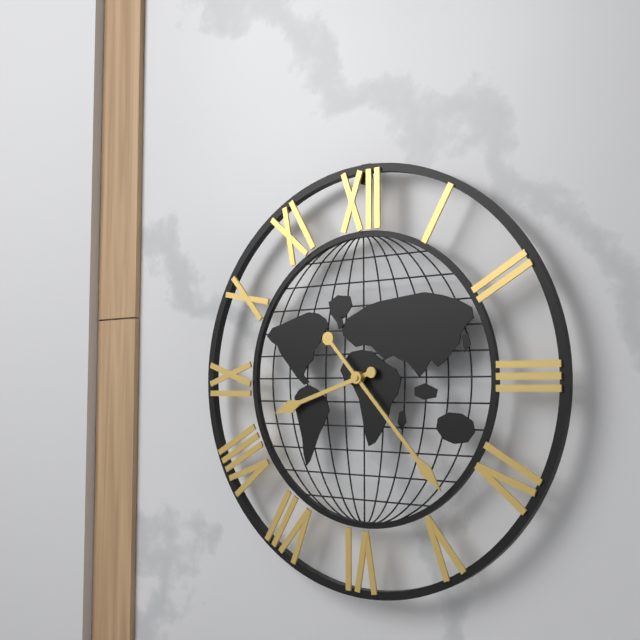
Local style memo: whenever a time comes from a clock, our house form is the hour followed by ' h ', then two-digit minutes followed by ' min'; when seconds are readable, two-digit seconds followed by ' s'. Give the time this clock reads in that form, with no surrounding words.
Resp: 8 h 23 min
